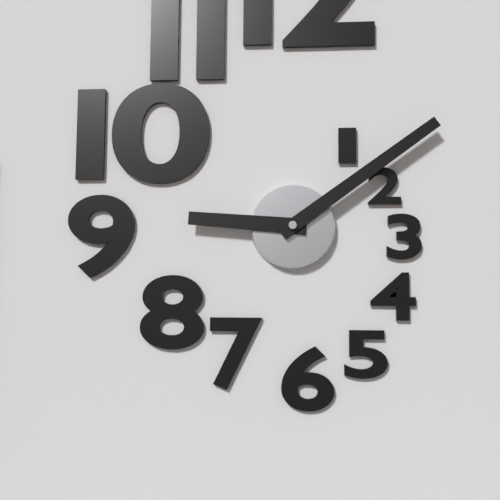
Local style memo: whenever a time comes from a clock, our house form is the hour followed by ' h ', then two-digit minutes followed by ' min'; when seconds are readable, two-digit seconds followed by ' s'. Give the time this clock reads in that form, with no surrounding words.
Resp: 9 h 09 min
